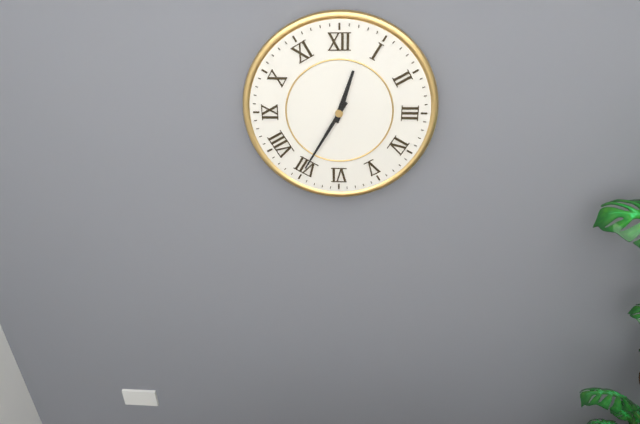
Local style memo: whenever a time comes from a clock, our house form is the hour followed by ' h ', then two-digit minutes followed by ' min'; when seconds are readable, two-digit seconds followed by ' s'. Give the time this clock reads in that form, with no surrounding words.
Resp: 12 h 35 min
